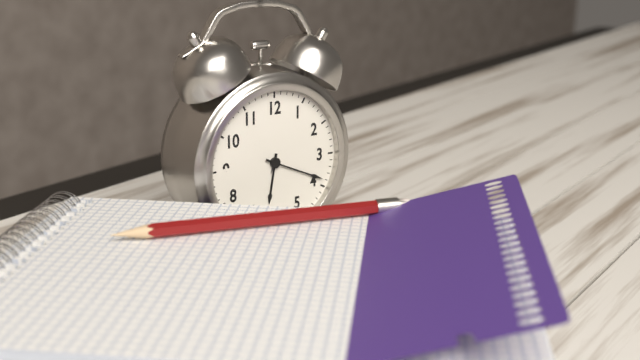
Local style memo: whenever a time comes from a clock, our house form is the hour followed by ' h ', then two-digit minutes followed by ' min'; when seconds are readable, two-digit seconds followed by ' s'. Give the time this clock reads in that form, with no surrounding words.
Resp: 6 h 19 min
